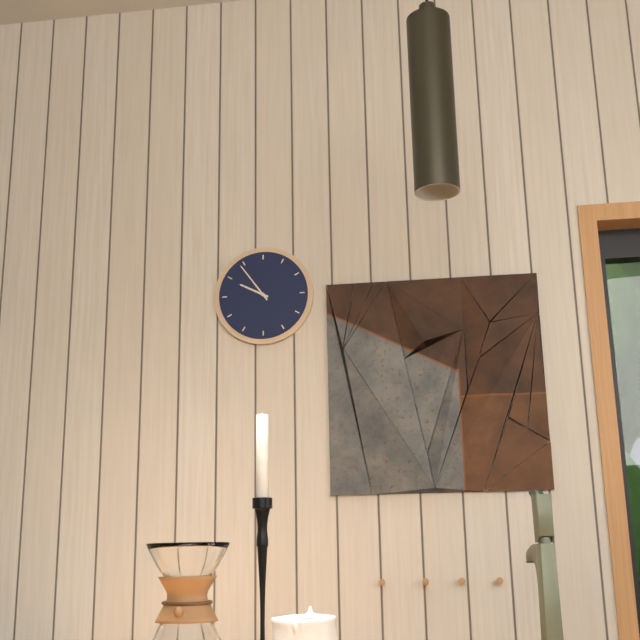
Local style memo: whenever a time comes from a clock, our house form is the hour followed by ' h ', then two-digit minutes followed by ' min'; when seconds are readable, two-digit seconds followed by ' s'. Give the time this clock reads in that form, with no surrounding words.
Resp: 9 h 54 min
